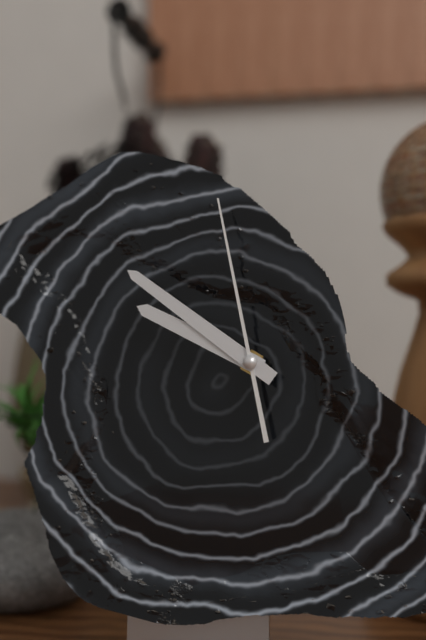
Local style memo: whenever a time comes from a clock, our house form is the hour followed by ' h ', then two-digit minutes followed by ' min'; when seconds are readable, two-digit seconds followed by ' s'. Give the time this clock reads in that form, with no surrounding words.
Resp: 9 h 51 min 58 s
